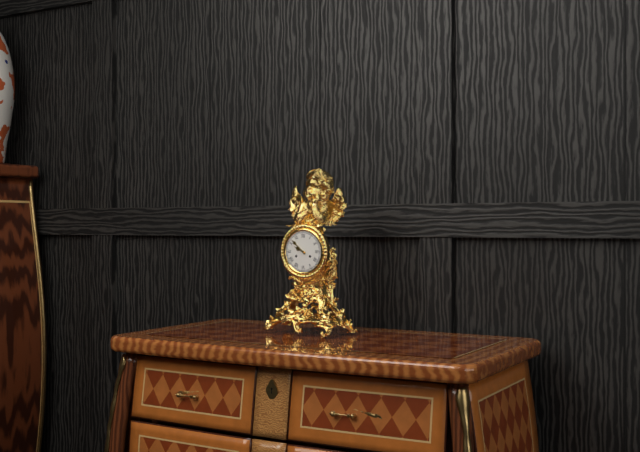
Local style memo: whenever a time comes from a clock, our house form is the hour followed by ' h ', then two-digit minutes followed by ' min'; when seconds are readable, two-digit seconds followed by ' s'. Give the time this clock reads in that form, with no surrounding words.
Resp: 9 h 52 min
